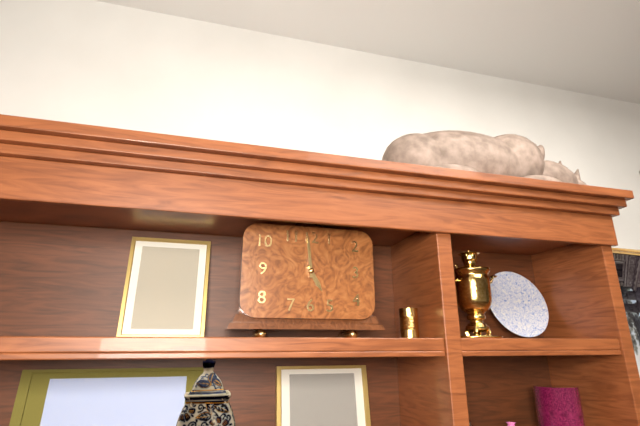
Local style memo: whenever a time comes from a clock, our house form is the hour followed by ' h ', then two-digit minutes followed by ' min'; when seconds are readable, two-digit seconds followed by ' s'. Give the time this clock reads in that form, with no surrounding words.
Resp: 4 h 59 min
